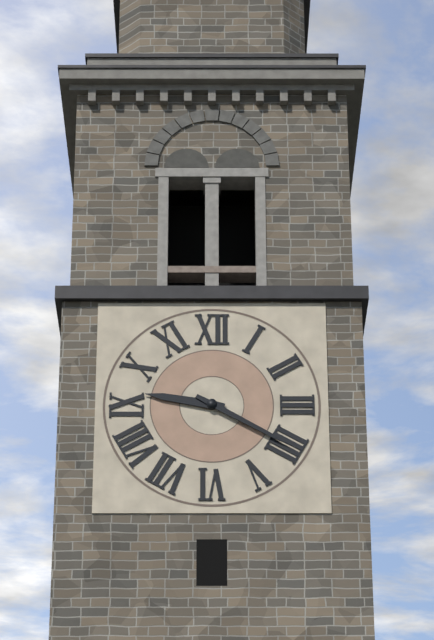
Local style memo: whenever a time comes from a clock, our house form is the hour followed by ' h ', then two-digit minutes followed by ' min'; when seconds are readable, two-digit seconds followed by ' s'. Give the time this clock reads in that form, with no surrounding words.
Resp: 9 h 20 min
